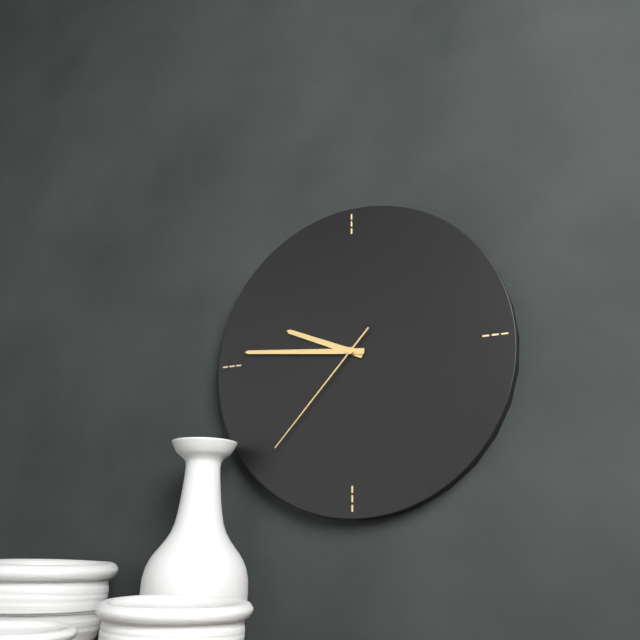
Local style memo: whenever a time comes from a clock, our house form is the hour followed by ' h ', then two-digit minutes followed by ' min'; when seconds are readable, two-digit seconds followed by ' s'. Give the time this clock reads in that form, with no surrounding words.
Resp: 9 h 46 min 37 s
